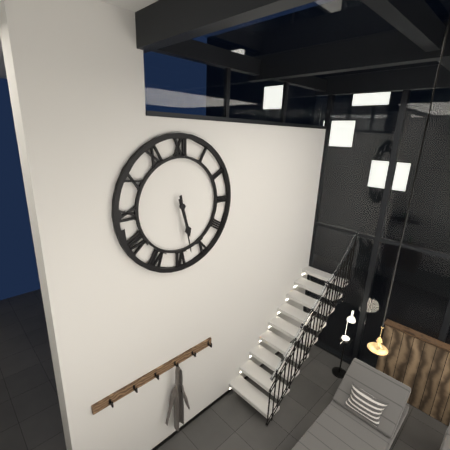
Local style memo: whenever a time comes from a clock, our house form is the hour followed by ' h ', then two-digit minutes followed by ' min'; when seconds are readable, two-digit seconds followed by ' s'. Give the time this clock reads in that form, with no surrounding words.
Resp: 5 h 28 min
